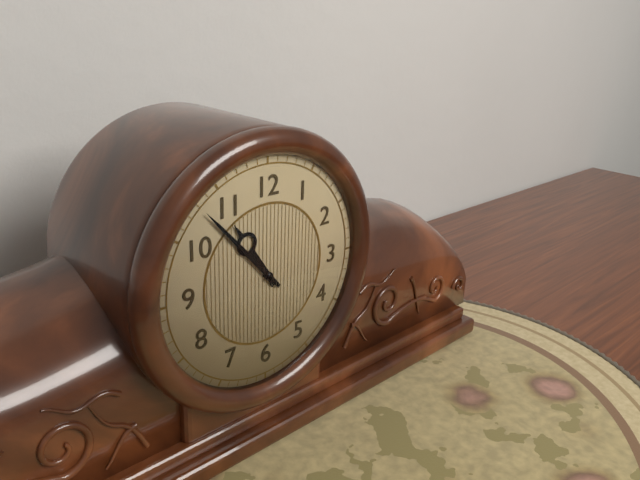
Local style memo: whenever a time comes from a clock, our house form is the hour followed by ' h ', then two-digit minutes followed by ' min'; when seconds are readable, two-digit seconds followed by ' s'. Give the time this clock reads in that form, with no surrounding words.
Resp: 10 h 53 min
